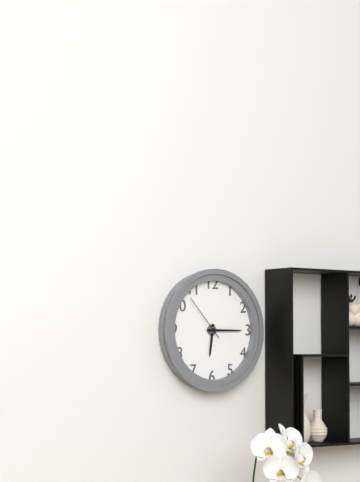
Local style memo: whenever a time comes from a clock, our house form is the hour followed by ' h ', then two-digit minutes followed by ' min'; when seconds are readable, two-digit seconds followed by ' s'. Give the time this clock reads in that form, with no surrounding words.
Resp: 6 h 15 min
